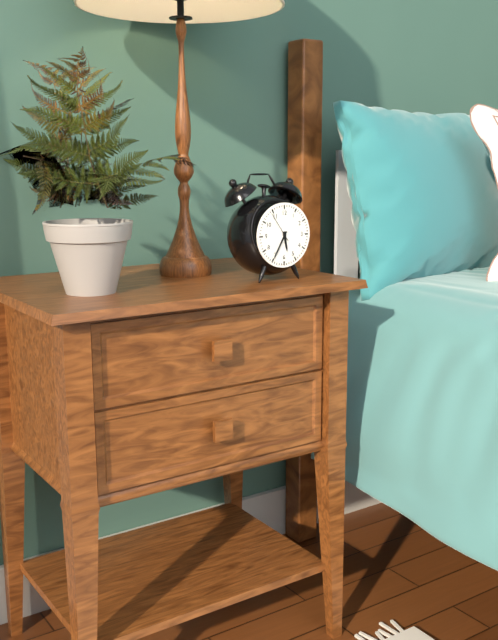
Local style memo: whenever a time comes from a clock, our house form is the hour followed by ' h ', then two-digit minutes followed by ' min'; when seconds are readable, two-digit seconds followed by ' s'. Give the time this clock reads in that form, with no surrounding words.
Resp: 5 h 35 min
